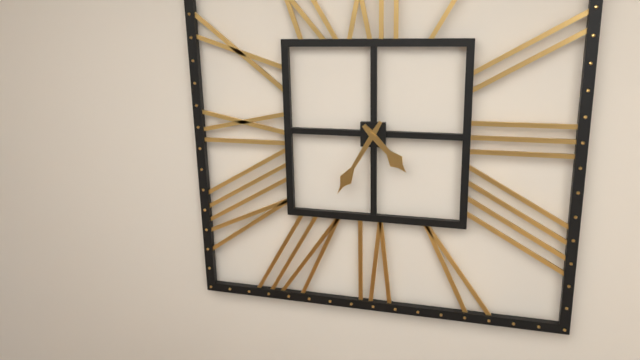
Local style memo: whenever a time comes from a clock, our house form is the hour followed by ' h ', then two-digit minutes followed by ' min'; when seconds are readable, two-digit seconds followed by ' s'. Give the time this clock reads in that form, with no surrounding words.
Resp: 4 h 35 min
